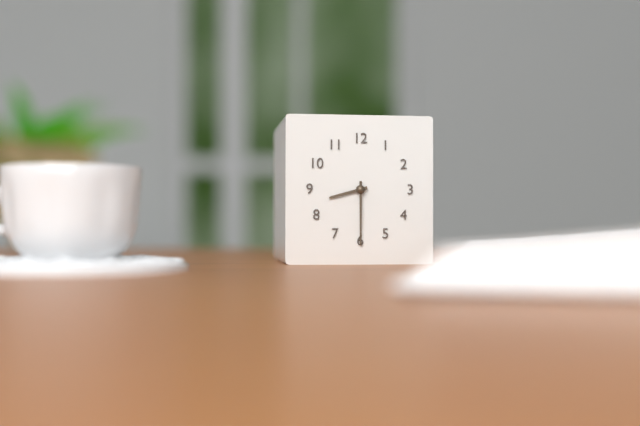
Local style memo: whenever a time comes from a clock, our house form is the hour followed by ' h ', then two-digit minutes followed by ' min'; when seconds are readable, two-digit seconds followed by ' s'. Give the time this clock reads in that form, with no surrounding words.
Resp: 8 h 30 min
